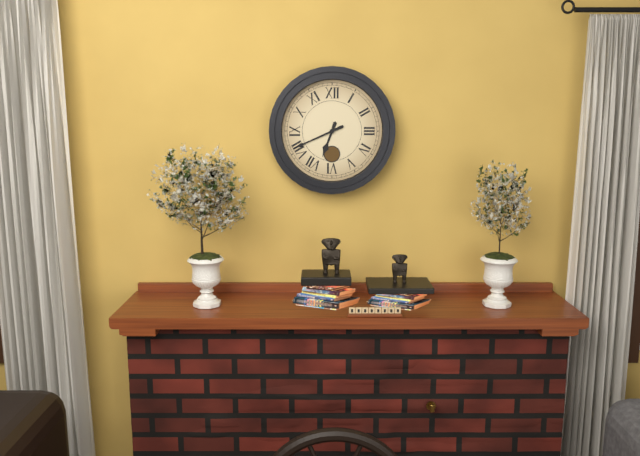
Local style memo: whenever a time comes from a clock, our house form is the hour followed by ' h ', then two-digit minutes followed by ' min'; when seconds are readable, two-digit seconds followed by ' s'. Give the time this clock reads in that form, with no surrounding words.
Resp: 6 h 41 min
